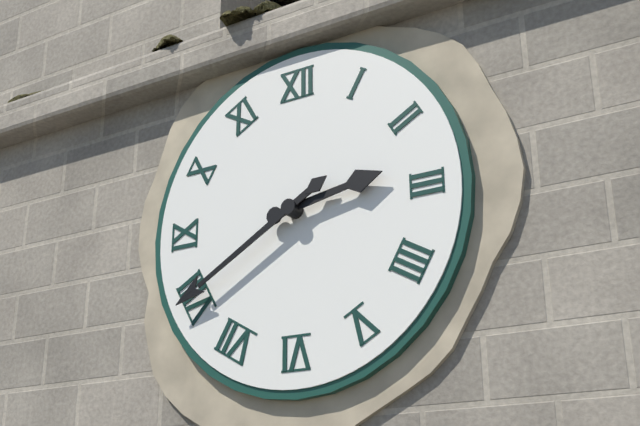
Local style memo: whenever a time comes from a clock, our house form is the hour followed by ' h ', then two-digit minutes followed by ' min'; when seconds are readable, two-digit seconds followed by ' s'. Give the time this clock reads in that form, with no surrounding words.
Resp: 2 h 40 min
